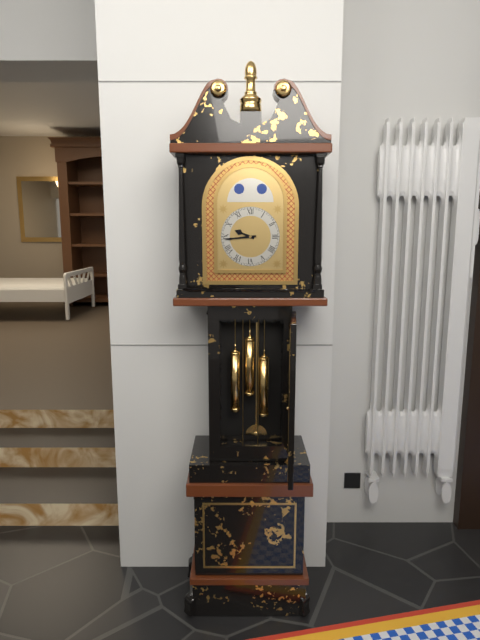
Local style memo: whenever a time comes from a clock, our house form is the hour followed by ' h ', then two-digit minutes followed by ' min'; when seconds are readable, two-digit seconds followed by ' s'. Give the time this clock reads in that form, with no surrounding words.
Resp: 9 h 44 min
